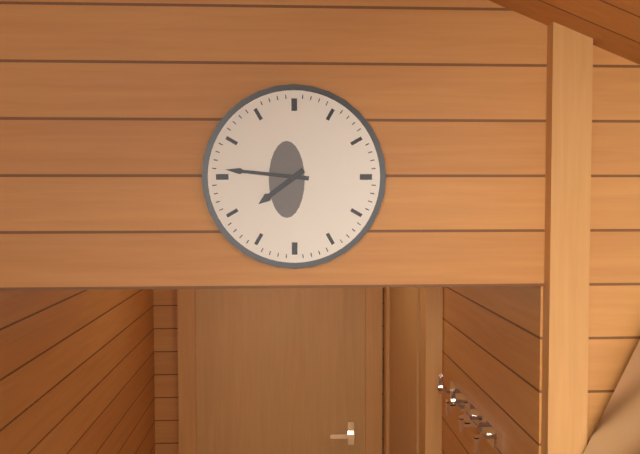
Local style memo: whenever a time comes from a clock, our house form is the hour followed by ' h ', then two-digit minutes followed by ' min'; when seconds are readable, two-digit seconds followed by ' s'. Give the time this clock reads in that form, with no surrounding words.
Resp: 7 h 46 min
